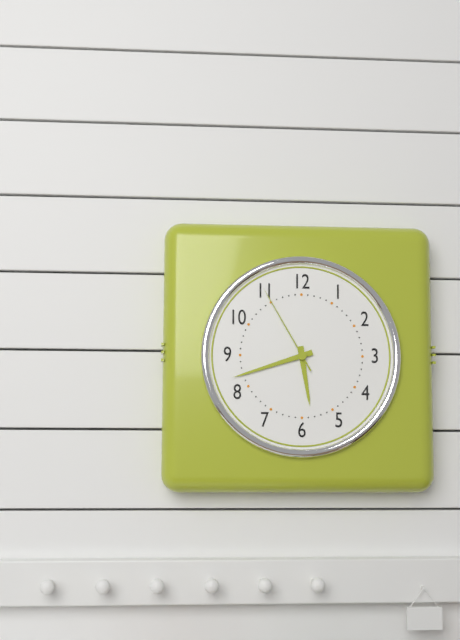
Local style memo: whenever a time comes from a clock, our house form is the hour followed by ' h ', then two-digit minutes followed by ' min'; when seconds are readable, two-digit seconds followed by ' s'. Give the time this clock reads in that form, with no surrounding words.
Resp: 5 h 42 min 55 s
